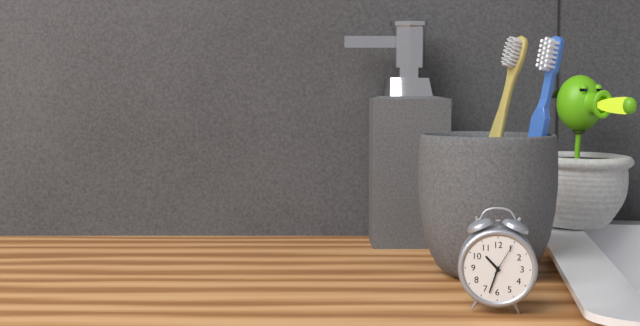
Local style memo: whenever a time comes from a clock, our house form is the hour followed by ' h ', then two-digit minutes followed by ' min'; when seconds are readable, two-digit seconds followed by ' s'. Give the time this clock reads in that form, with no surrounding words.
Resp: 10 h 33 min
